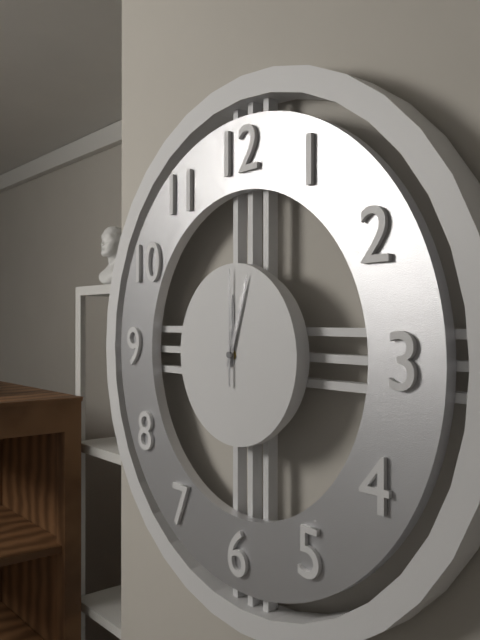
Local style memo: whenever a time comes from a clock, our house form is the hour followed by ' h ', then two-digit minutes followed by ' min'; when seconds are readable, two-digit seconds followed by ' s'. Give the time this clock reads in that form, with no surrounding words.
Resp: 12 h 03 min 00 s
